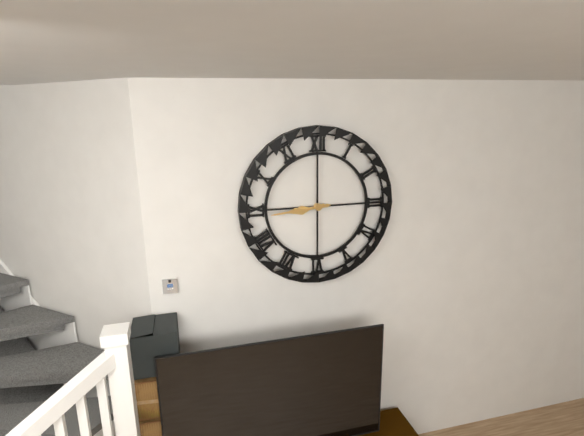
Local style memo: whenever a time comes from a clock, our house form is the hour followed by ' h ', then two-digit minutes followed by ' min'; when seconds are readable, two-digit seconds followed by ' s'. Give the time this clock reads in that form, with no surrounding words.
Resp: 8 h 44 min
